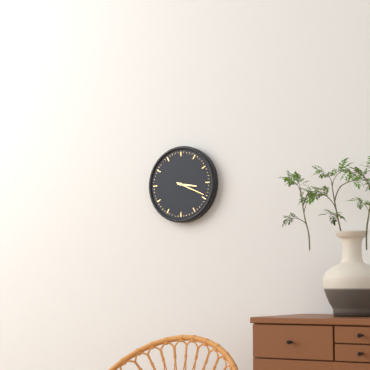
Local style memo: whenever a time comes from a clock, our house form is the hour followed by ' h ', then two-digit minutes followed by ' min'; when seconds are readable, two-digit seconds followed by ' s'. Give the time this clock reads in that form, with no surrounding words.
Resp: 3 h 19 min
